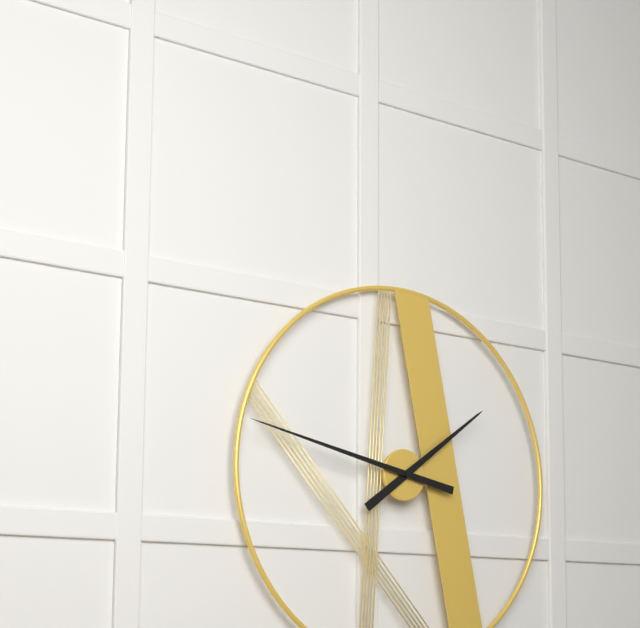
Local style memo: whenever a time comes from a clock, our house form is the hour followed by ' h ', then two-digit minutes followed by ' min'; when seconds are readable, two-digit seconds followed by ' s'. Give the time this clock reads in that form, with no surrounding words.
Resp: 1 h 47 min
